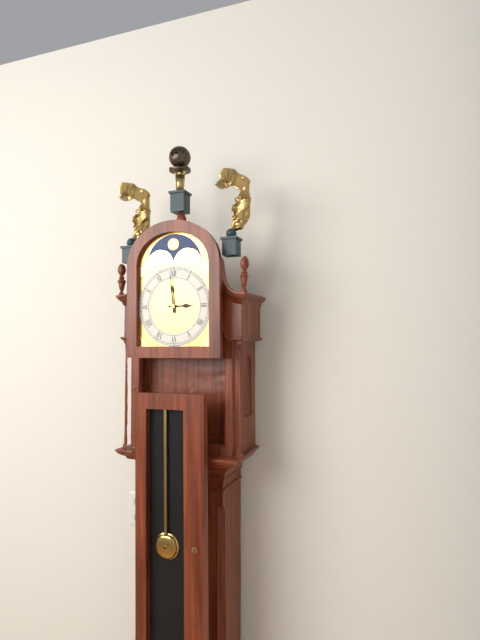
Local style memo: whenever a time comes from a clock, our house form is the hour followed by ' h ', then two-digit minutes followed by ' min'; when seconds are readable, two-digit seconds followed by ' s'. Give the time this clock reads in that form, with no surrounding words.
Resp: 2 h 59 min
